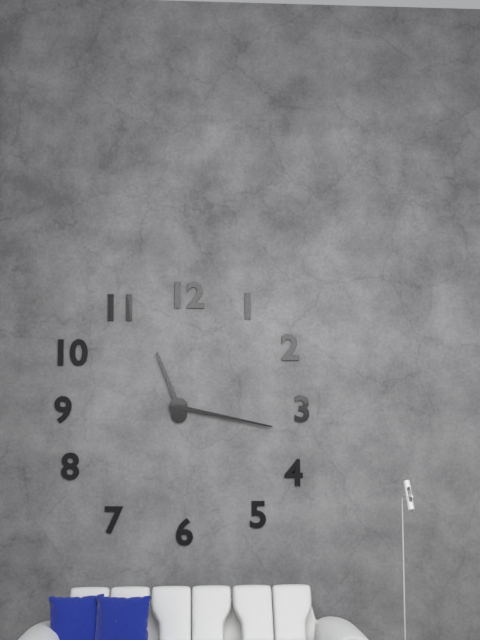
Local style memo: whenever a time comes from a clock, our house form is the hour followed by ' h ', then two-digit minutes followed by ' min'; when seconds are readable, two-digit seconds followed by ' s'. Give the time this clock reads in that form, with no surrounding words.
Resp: 11 h 17 min
